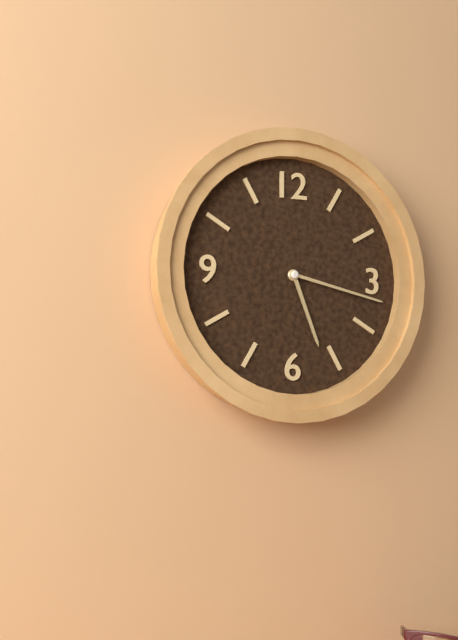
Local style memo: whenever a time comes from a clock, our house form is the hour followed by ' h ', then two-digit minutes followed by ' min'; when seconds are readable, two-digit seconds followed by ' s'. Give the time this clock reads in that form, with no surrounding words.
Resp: 5 h 17 min
